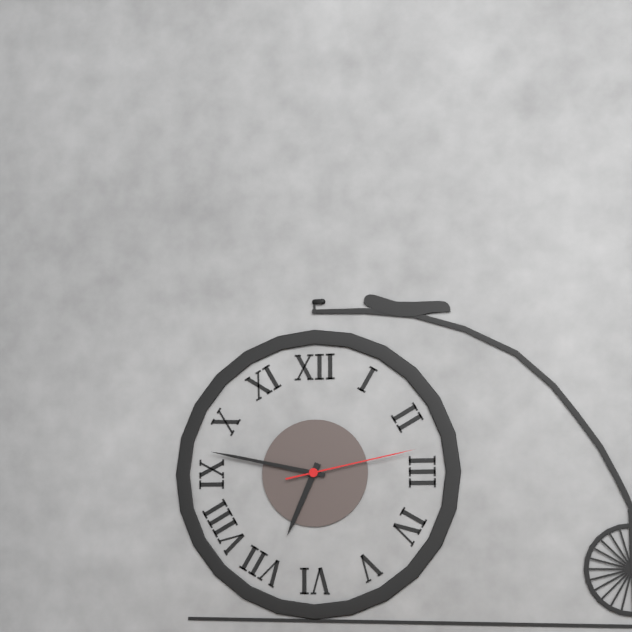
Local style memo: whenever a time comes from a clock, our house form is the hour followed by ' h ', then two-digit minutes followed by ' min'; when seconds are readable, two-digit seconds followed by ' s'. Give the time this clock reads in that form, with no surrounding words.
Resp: 6 h 47 min 13 s
